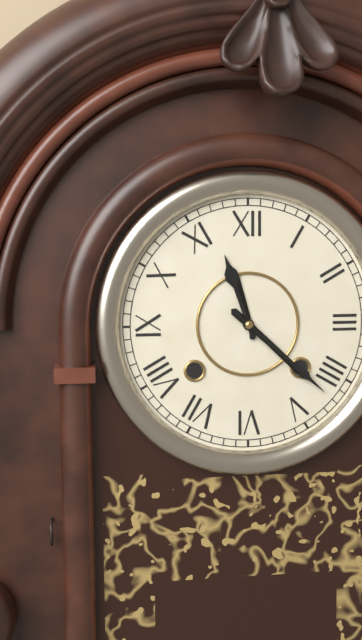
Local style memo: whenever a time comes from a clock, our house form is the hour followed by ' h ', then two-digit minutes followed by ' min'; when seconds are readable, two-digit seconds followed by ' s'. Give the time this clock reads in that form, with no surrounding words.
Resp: 11 h 22 min
